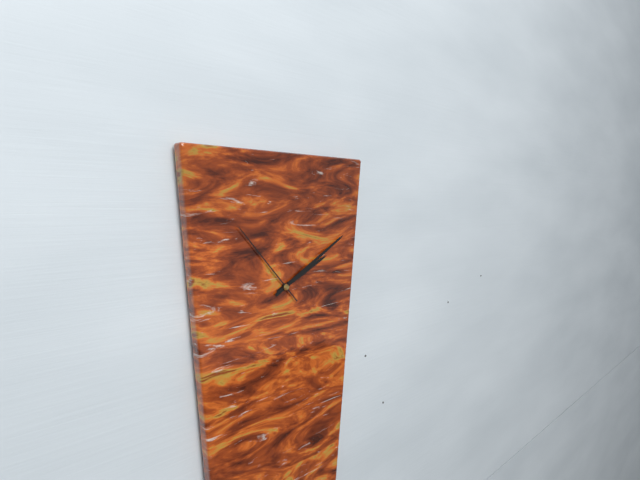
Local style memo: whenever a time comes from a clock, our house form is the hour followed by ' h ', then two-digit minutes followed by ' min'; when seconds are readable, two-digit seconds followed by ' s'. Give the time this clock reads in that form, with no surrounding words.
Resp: 2 h 10 min 53 s
